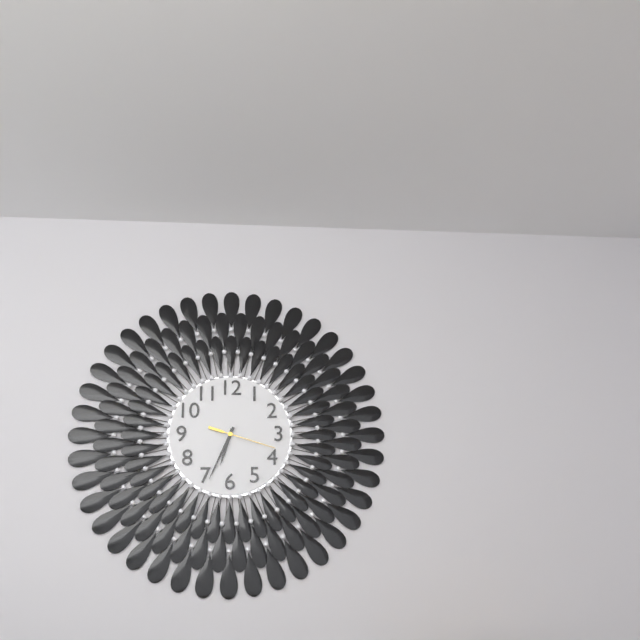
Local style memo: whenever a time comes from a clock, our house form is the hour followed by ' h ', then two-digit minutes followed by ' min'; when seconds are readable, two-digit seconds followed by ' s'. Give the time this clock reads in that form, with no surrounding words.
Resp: 6 h 34 min 18 s
